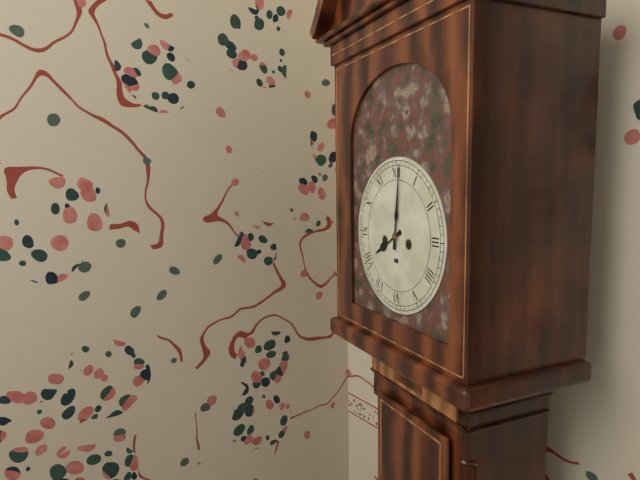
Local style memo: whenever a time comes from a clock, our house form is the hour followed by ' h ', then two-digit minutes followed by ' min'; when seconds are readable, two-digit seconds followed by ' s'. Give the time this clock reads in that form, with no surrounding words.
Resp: 8 h 01 min
